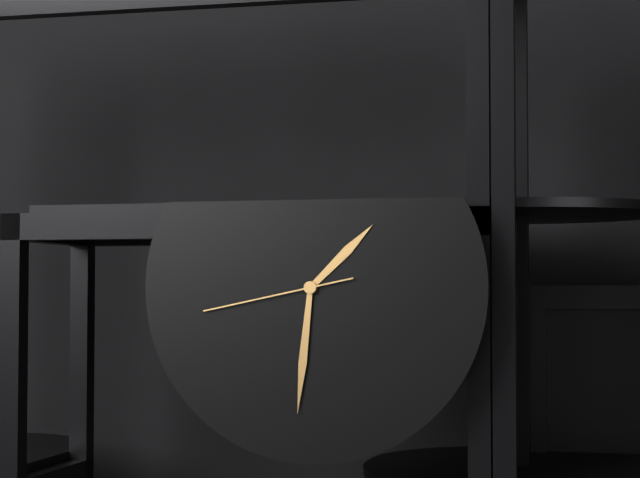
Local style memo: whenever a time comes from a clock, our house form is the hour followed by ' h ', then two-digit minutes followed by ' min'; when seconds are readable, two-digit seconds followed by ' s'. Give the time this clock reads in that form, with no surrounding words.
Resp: 1 h 31 min 43 s
